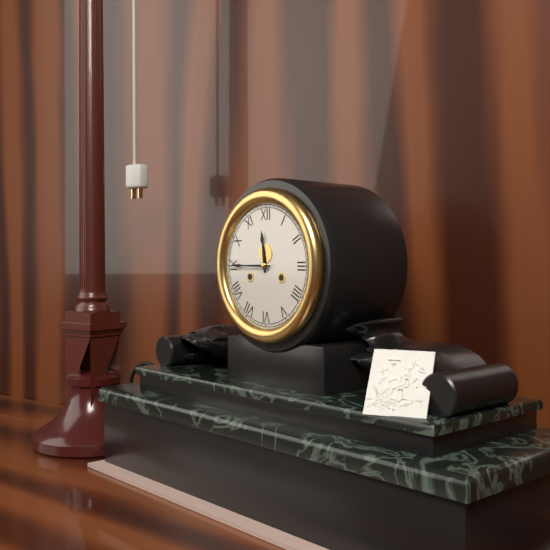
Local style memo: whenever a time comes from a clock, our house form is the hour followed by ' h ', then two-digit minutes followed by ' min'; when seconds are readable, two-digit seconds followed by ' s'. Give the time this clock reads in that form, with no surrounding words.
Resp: 11 h 45 min
